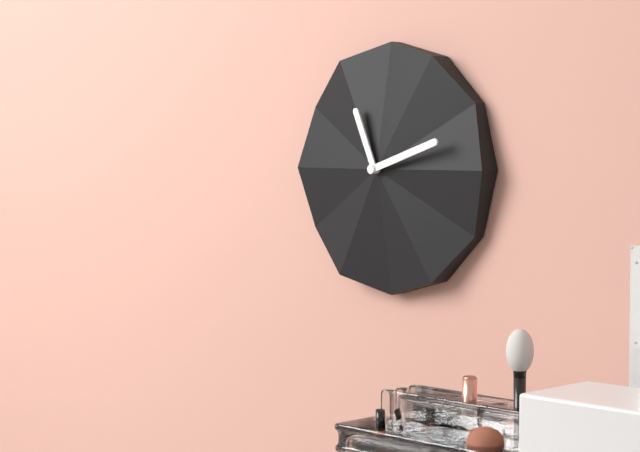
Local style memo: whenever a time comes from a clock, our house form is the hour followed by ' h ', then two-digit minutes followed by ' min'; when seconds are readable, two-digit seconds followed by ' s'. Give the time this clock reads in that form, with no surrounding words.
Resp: 11 h 12 min
